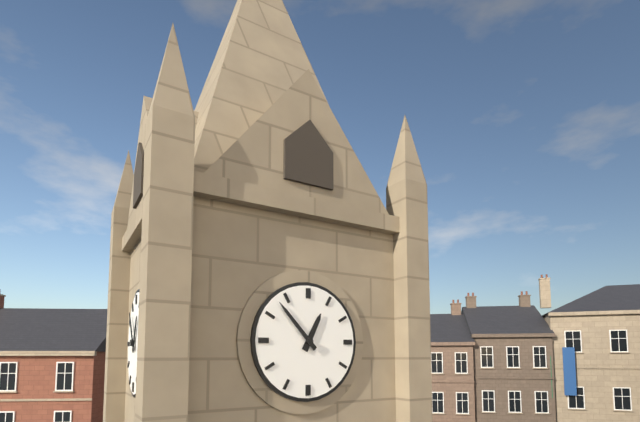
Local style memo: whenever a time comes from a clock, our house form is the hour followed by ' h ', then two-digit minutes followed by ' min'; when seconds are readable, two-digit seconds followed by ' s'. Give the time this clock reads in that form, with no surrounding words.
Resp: 12 h 53 min
